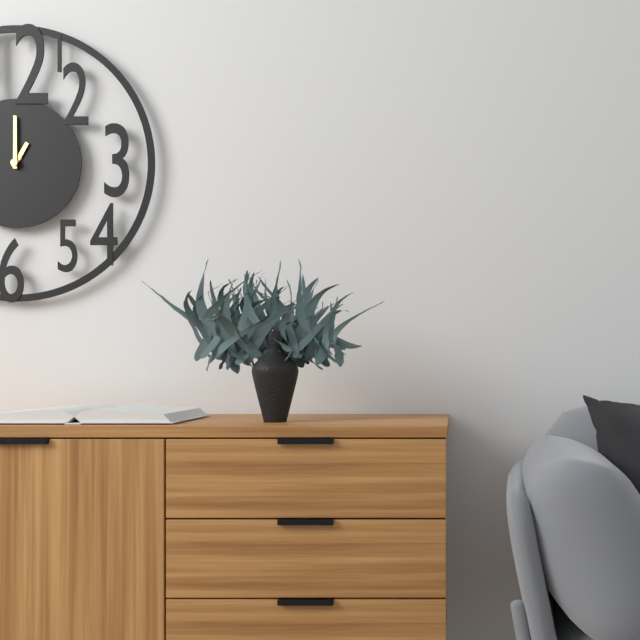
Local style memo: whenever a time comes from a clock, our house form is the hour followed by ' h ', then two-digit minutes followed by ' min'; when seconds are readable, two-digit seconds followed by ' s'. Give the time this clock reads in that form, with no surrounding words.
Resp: 1 h 00 min
